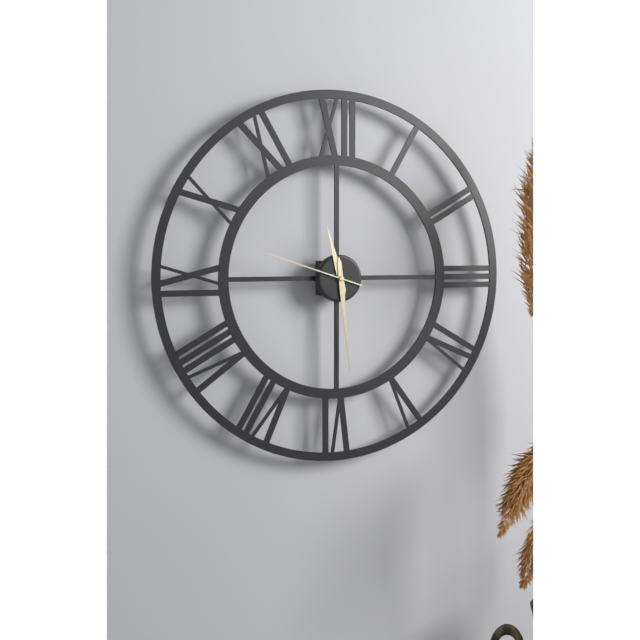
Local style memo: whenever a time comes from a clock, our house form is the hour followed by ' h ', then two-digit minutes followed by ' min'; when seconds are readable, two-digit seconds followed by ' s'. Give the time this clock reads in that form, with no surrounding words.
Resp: 11 h 29 min 48 s
